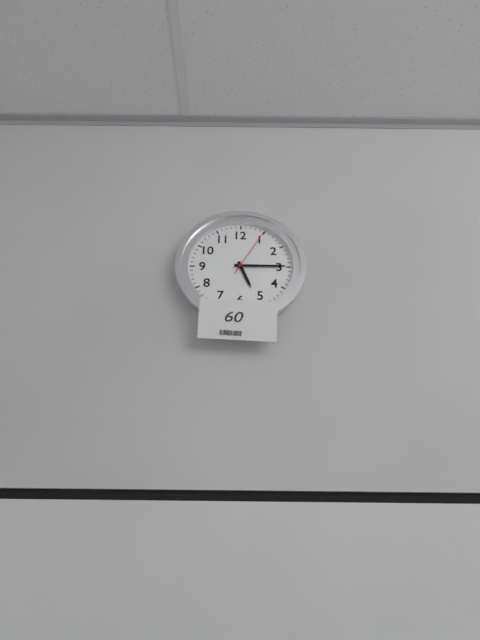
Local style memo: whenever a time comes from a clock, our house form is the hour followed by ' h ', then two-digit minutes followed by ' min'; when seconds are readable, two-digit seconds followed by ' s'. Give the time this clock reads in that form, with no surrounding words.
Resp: 5 h 15 min 05 s
